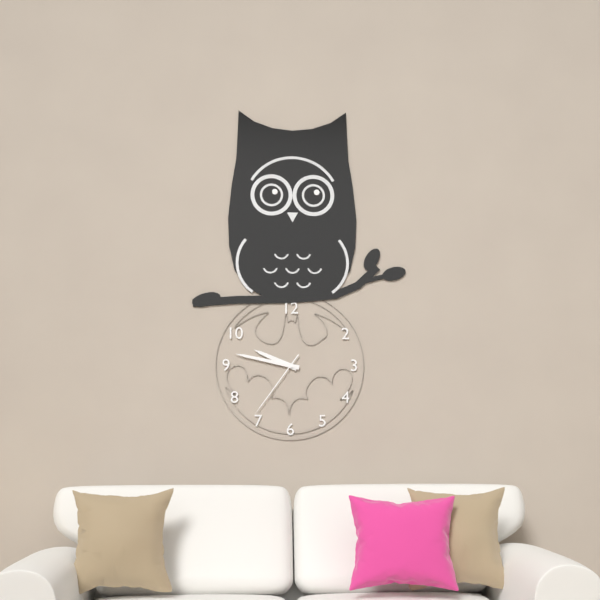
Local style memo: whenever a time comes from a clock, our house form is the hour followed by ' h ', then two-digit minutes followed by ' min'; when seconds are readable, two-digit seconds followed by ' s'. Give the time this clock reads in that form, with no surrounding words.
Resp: 9 h 47 min 36 s
